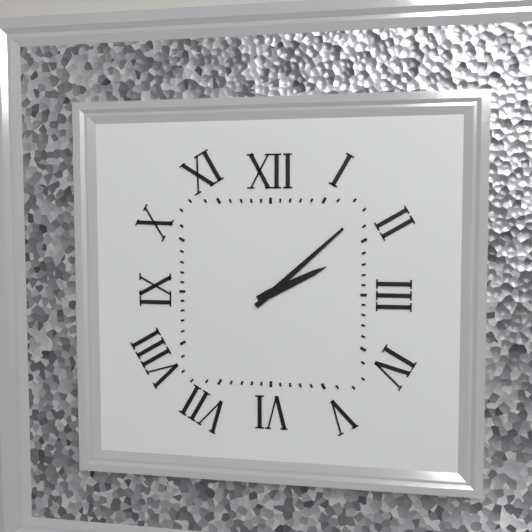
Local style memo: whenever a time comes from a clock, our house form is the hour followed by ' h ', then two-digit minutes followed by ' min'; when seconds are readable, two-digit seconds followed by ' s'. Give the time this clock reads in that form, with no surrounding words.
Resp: 2 h 08 min
